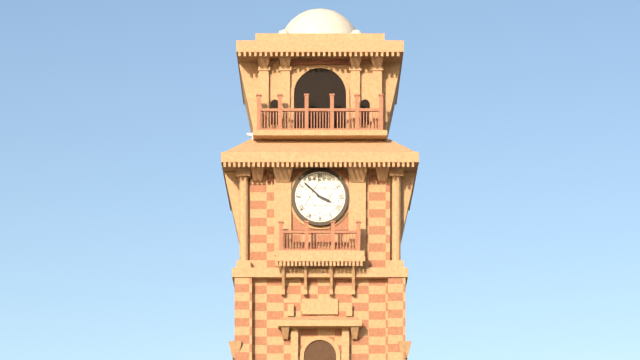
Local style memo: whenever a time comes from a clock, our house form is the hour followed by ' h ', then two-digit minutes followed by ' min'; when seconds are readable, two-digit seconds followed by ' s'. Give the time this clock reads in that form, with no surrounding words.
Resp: 3 h 52 min
